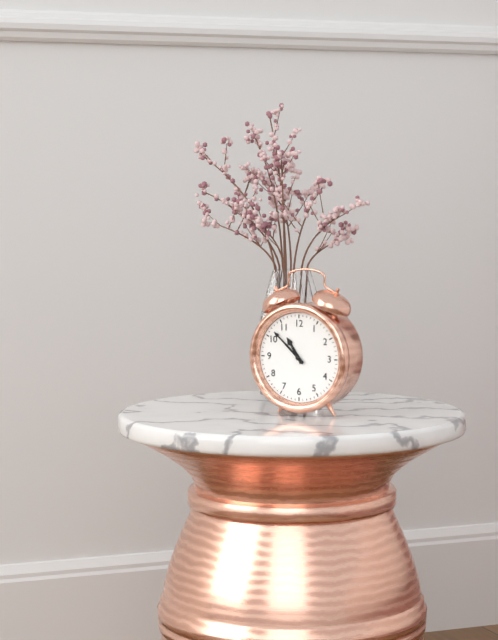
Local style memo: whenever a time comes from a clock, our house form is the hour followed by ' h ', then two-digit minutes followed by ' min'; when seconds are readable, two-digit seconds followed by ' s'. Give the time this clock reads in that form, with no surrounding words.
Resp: 10 h 52 min
